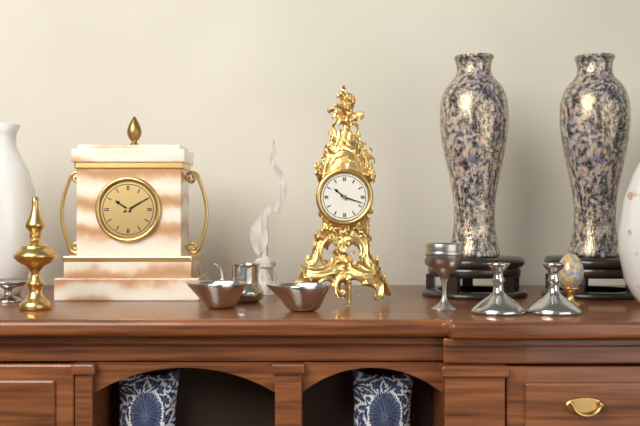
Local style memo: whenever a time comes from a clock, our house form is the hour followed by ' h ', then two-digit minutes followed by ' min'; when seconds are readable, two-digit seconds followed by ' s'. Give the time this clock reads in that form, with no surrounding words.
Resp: 10 h 18 min
